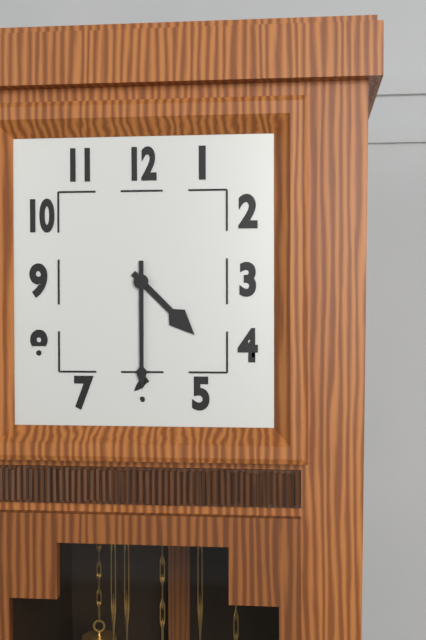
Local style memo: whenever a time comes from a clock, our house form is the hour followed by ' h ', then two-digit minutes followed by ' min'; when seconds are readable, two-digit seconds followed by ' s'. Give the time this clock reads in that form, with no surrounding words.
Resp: 4 h 30 min
